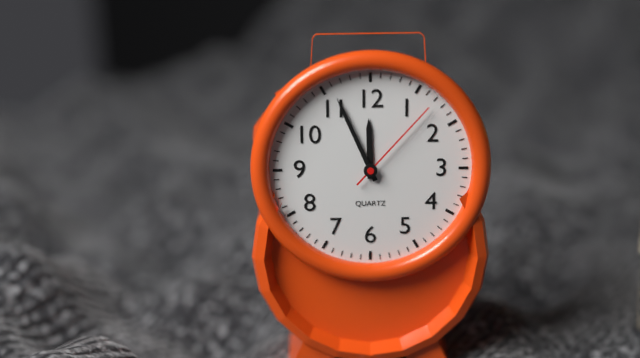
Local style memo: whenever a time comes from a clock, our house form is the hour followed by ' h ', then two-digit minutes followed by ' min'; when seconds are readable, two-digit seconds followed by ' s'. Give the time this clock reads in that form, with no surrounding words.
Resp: 11 h 56 min 07 s
